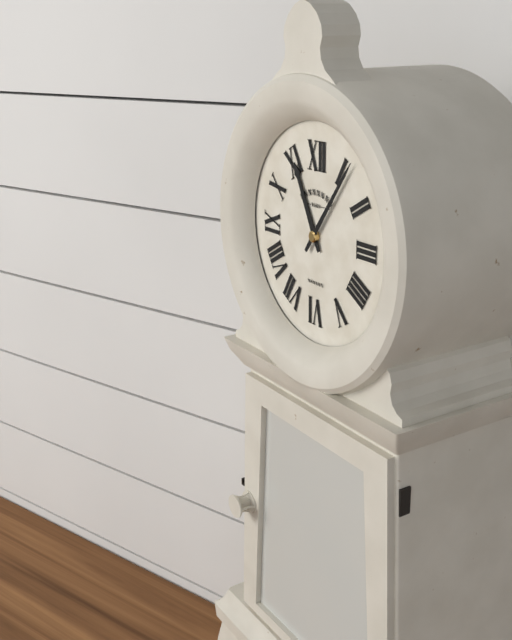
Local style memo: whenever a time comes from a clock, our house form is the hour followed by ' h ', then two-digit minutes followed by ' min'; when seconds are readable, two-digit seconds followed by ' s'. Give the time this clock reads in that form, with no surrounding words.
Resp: 11 h 06 min
